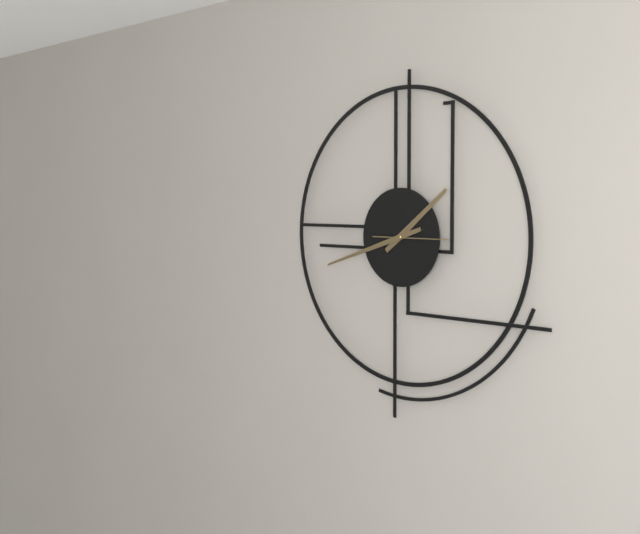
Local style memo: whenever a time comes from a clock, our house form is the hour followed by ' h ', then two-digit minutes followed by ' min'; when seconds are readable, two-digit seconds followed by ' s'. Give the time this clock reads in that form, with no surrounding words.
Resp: 1 h 42 min 15 s
